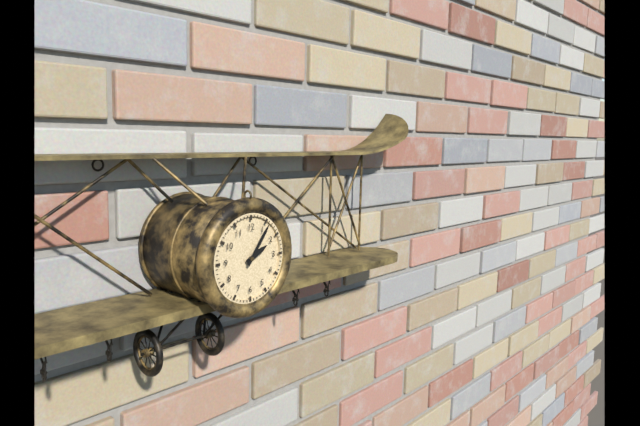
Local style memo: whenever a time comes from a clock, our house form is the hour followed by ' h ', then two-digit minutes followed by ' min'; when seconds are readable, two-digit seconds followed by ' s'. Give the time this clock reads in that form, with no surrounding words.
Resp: 2 h 06 min
